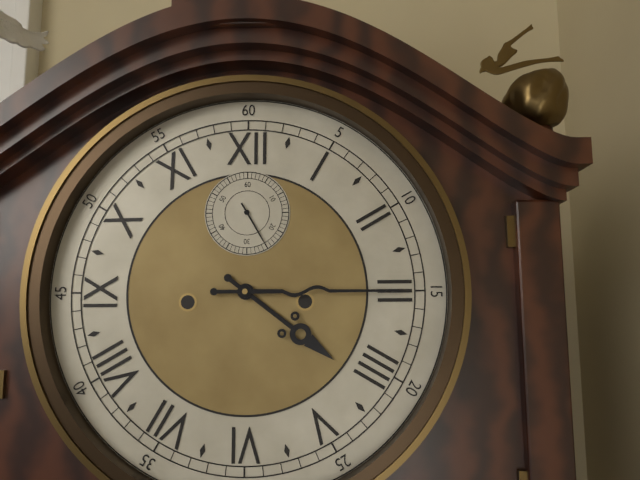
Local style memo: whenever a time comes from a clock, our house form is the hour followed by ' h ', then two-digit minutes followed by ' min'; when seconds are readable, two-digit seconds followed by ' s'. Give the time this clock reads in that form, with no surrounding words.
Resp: 4 h 15 min
